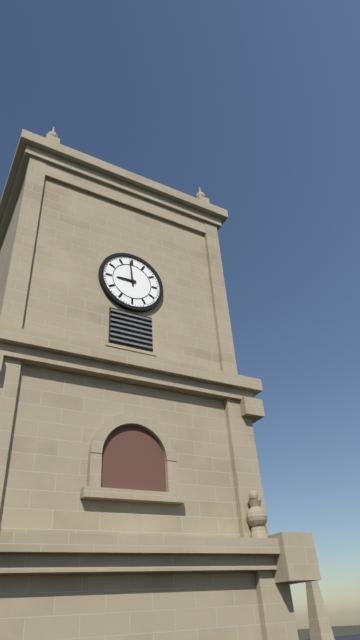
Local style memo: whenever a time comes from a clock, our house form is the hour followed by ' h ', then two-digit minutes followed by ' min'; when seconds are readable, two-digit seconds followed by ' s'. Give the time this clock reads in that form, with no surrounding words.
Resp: 8 h 59 min
